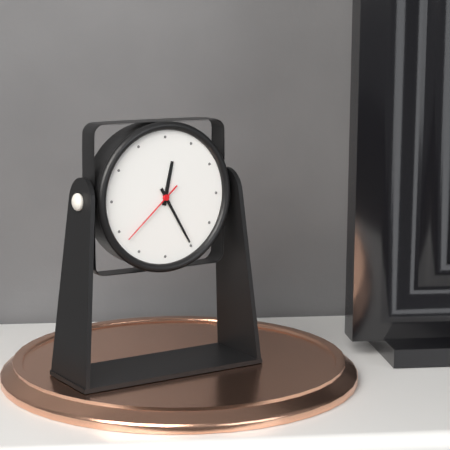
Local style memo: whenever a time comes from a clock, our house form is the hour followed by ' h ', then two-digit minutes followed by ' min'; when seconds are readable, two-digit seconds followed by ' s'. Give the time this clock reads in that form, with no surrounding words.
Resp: 12 h 25 min 38 s
